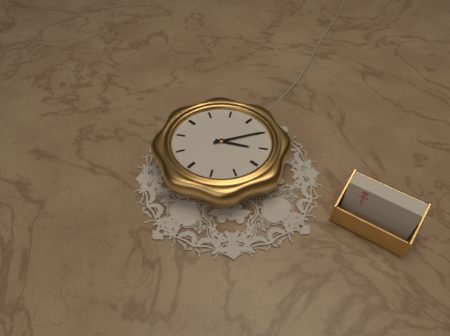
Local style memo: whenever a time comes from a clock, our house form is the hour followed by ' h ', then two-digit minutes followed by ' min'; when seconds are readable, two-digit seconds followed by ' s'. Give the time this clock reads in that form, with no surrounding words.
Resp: 2 h 05 min
